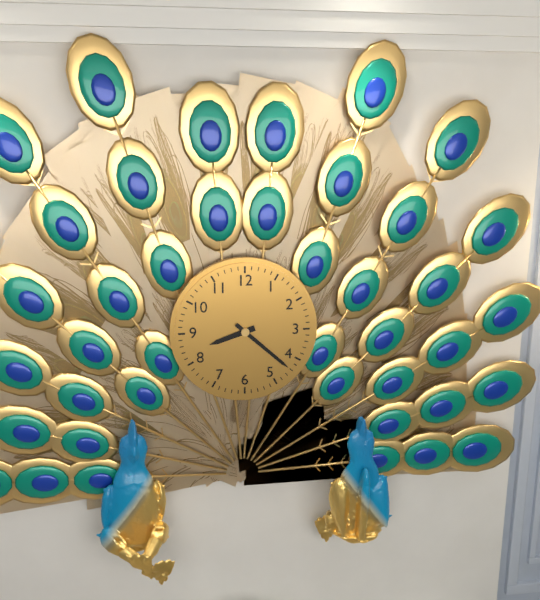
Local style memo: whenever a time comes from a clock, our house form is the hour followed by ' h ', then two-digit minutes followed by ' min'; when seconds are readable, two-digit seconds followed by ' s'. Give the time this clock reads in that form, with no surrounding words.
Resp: 8 h 22 min
